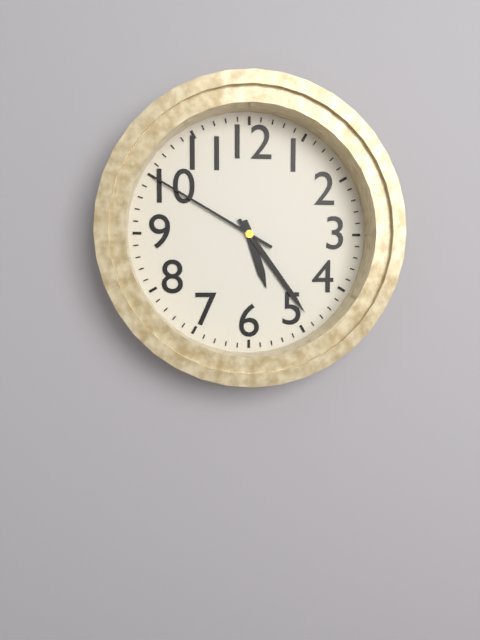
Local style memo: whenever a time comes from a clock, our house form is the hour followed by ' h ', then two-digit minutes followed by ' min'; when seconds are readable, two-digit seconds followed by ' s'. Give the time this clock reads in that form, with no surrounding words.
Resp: 5 h 24 min 50 s
